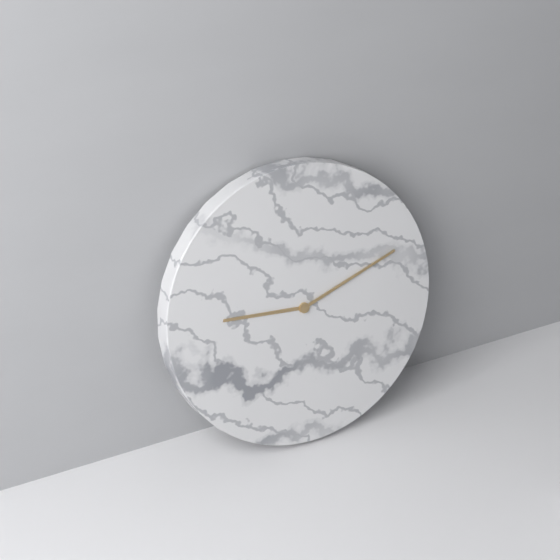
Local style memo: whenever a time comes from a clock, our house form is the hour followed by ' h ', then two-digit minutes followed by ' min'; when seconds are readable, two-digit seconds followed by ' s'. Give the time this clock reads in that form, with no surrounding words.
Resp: 9 h 12 min
